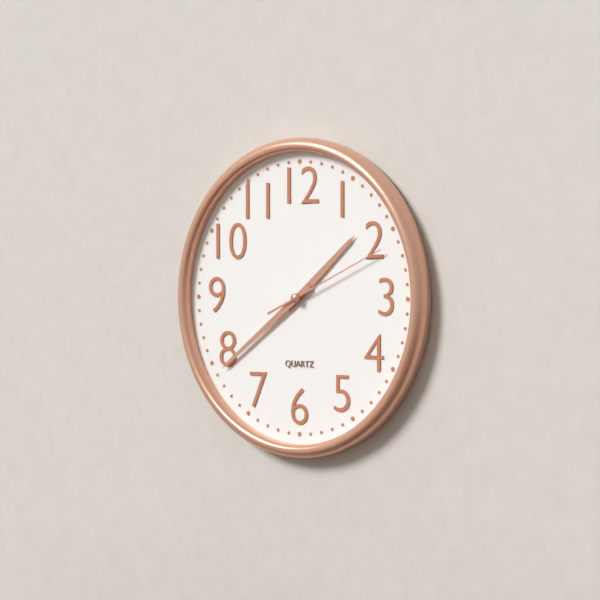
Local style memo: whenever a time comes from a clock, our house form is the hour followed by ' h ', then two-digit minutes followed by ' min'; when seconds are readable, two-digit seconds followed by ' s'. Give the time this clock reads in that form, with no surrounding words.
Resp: 1 h 39 min 11 s
